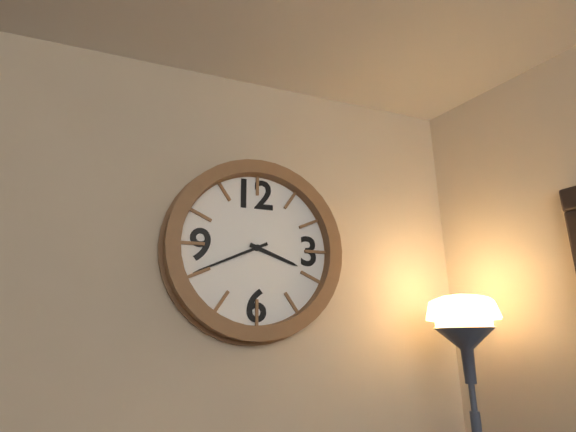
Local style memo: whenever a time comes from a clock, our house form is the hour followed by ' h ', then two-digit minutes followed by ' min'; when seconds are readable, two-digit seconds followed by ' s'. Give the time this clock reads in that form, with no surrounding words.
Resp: 3 h 41 min
